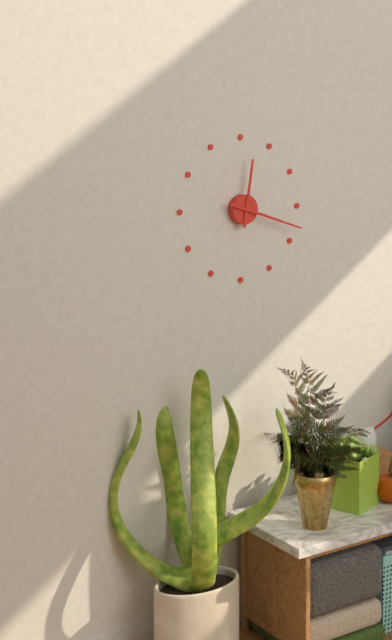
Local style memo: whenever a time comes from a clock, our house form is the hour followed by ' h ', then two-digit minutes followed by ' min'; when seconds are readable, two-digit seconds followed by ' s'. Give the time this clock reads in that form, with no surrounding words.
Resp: 12 h 18 min
